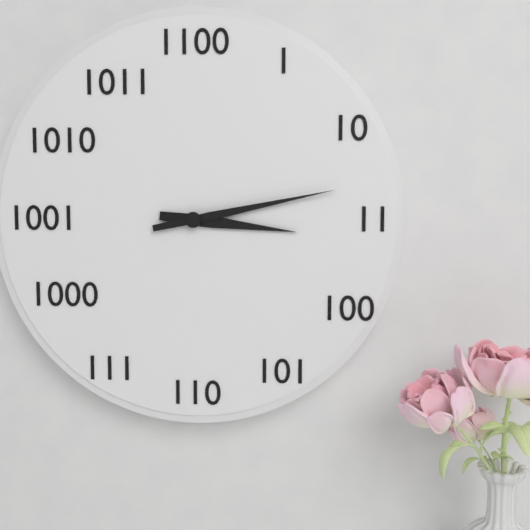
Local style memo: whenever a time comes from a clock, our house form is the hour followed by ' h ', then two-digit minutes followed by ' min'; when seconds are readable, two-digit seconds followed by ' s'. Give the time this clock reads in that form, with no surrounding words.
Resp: 3 h 13 min
